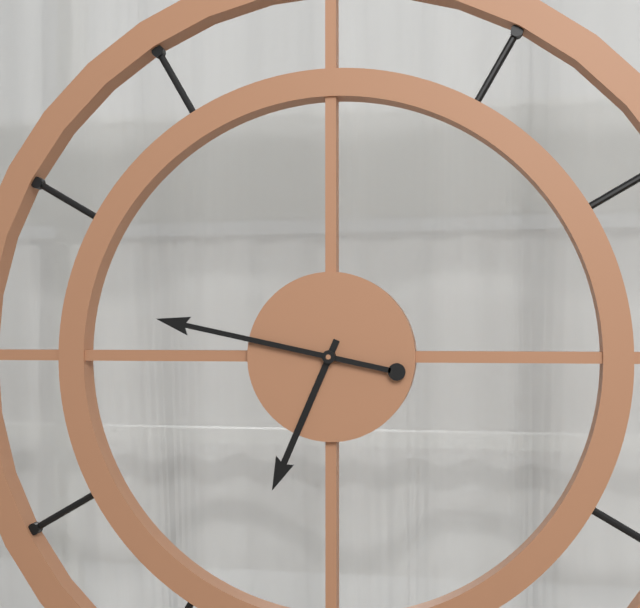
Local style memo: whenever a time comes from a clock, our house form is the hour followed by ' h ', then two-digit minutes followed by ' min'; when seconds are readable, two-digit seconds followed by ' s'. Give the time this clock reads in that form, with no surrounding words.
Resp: 6 h 47 min
